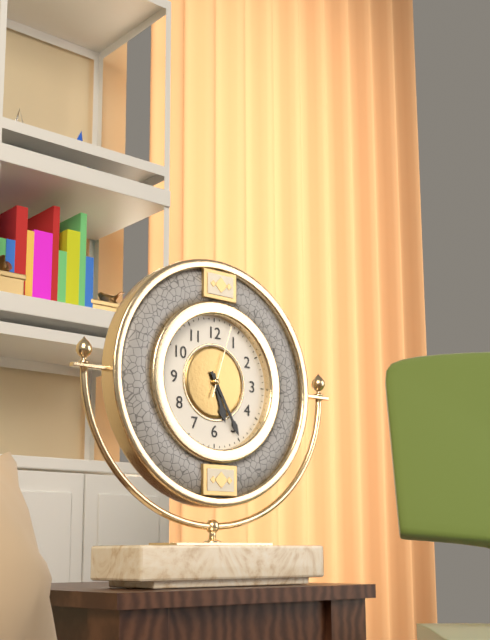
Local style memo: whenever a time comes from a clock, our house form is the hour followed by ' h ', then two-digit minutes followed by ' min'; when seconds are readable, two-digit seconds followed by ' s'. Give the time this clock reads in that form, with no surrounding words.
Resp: 5 h 25 min 03 s
